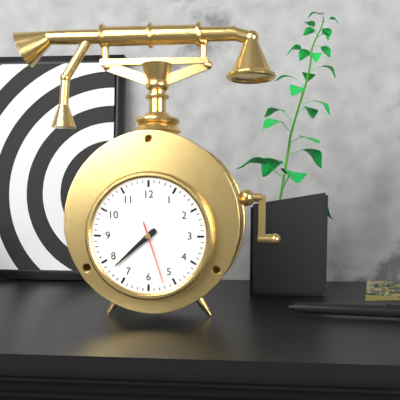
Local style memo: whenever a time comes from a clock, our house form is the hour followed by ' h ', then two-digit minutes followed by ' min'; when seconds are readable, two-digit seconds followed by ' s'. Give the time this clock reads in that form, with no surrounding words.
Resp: 7 h 38 min 27 s
